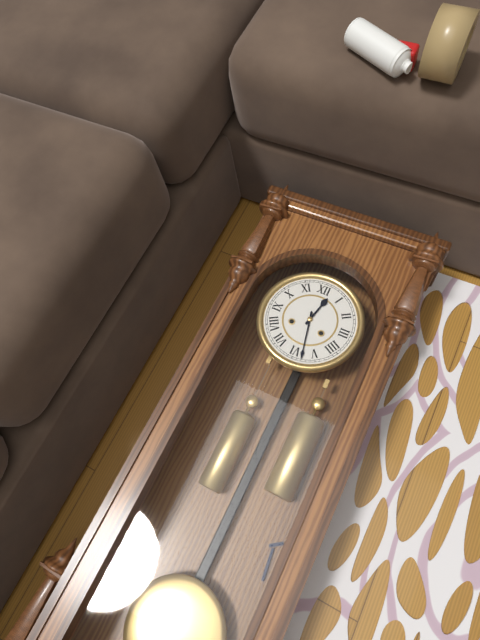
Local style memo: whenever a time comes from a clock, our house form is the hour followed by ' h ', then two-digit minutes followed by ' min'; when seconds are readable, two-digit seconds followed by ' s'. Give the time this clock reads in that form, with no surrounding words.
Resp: 12 h 28 min
